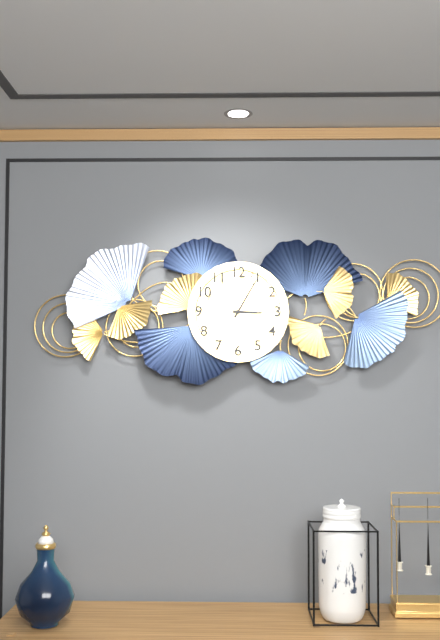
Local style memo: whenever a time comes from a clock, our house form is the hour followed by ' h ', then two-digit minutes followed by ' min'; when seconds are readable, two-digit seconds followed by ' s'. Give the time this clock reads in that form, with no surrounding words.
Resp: 3 h 05 min
